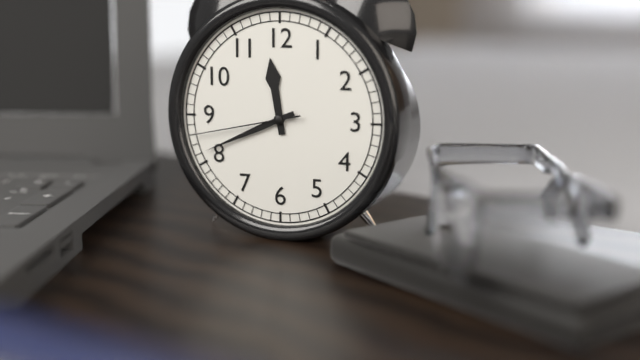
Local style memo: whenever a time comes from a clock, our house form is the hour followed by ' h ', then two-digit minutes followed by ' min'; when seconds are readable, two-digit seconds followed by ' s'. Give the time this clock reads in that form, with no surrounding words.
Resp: 11 h 41 min 43 s
